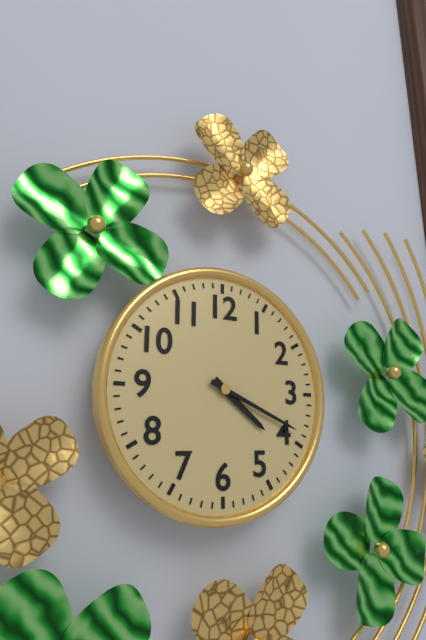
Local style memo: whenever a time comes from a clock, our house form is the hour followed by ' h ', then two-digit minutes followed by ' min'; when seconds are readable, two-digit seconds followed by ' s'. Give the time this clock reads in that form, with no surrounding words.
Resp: 4 h 19 min
